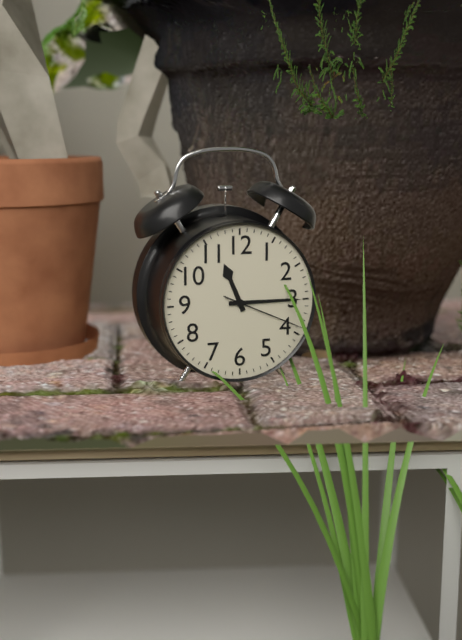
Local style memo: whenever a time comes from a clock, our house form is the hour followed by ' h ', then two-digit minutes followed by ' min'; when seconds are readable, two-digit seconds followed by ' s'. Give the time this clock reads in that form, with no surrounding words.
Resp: 11 h 15 min 19 s
